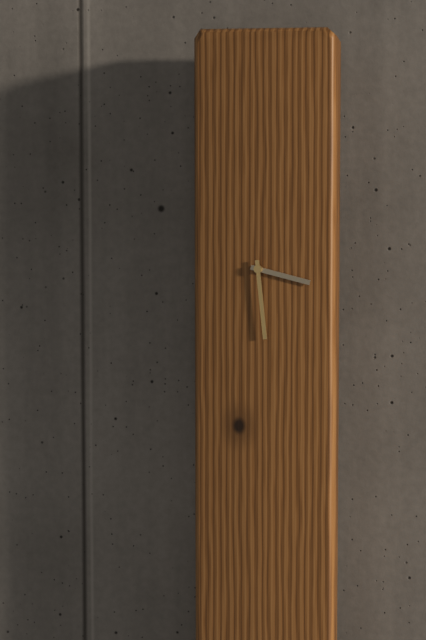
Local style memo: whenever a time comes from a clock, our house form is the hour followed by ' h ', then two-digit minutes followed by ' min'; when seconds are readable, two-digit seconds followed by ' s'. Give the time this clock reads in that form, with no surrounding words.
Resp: 3 h 29 min
